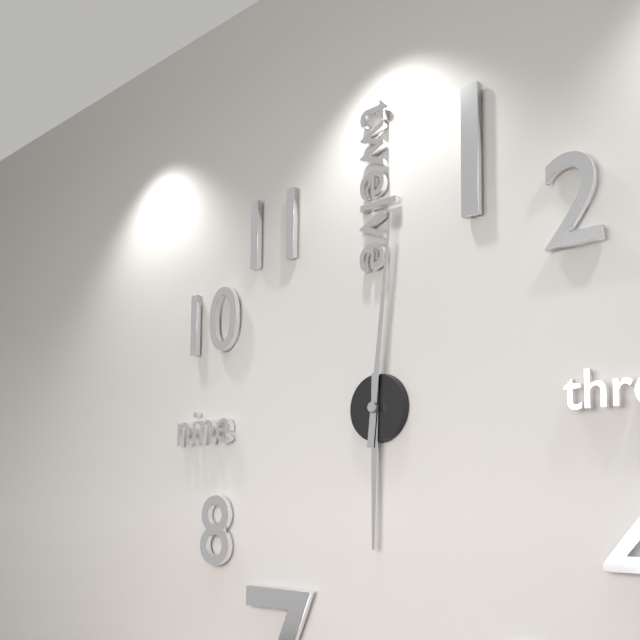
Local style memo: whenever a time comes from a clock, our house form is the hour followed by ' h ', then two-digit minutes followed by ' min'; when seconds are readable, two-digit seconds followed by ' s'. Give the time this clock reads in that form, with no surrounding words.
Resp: 6 h 01 min
